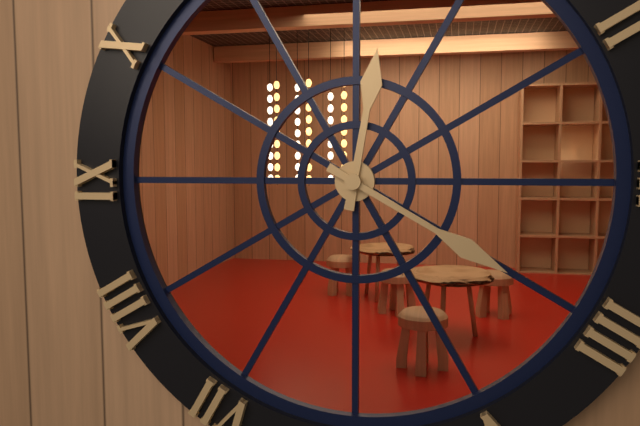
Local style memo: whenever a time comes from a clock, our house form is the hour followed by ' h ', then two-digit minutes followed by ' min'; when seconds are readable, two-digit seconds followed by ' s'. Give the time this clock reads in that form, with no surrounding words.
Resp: 12 h 20 min
